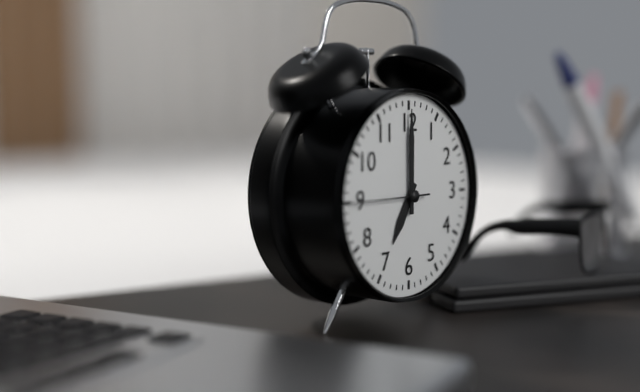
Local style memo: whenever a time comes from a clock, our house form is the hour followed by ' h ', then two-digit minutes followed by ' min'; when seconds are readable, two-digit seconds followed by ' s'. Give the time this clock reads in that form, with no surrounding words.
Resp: 7 h 00 min 45 s
